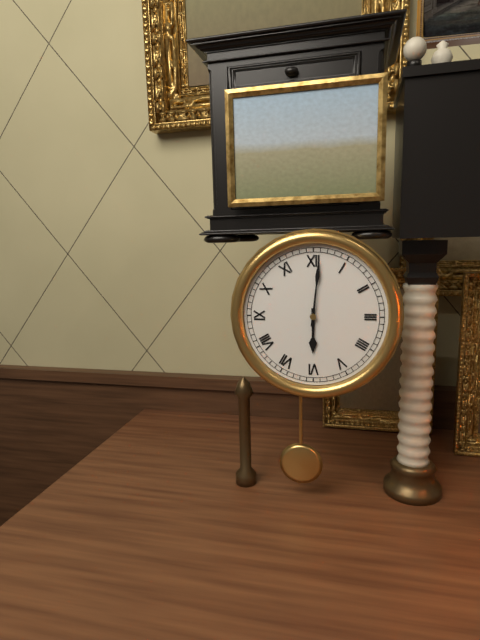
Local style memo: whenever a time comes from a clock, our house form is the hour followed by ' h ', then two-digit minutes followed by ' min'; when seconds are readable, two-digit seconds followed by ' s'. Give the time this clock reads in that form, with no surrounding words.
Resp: 6 h 01 min
